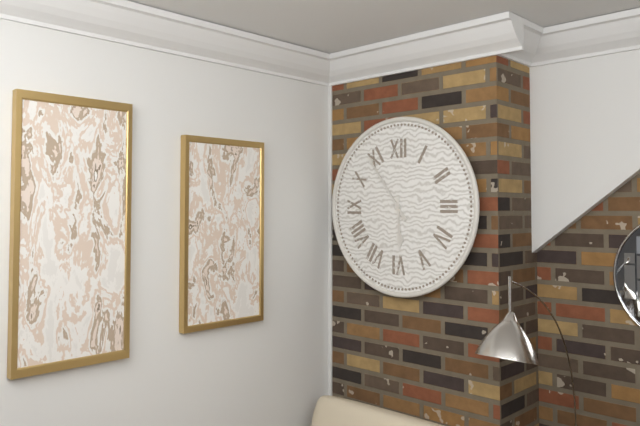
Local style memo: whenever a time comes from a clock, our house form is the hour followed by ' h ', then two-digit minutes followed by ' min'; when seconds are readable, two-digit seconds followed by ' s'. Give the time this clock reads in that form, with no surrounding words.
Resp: 5 h 54 min
